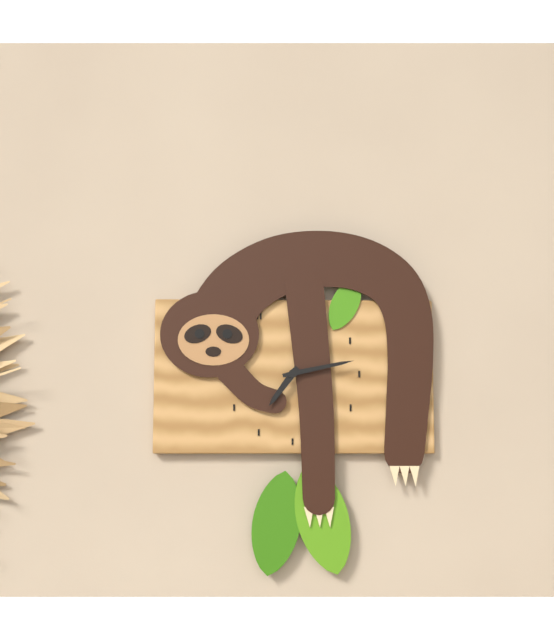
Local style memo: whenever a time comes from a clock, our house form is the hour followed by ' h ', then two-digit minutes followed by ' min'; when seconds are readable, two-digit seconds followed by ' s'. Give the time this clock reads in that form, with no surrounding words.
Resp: 7 h 13 min
